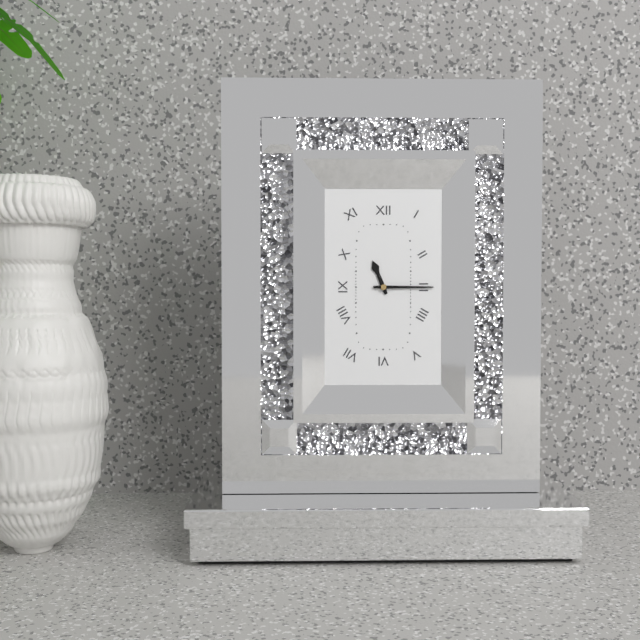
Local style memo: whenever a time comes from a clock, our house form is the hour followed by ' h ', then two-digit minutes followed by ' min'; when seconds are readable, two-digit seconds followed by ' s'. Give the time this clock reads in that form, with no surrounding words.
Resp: 11 h 15 min
